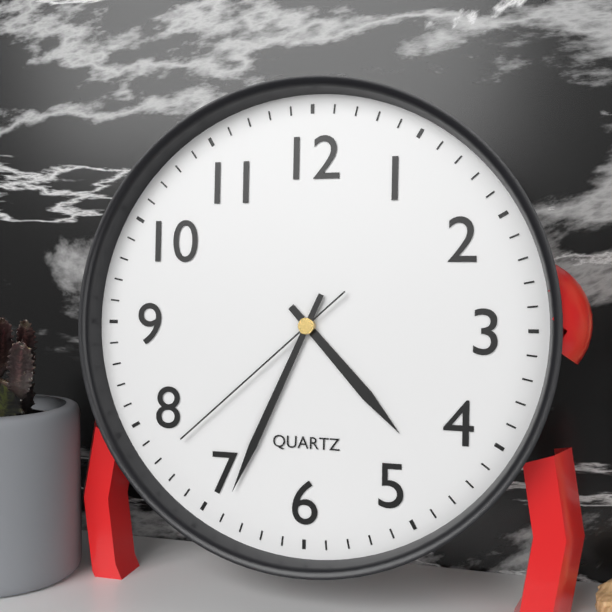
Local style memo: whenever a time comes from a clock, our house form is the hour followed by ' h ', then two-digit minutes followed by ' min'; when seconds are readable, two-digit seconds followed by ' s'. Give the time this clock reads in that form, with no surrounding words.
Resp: 4 h 34 min 38 s
